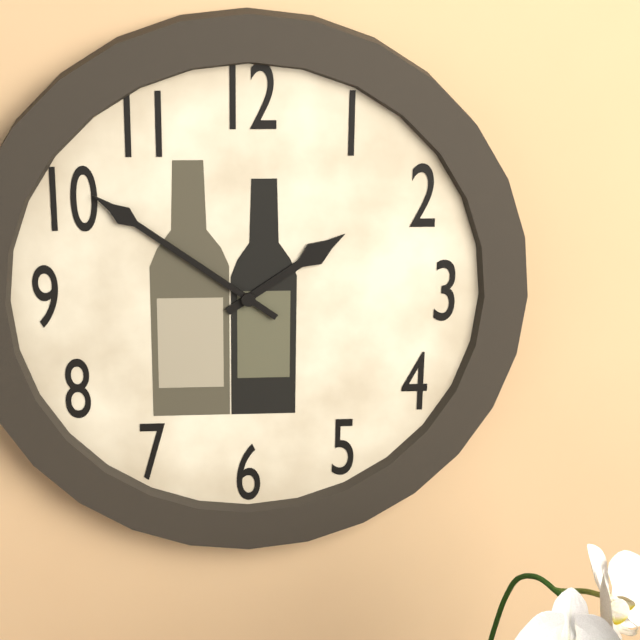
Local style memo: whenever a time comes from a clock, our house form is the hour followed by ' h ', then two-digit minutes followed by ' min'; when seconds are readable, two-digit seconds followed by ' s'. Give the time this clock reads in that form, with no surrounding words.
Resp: 1 h 51 min
